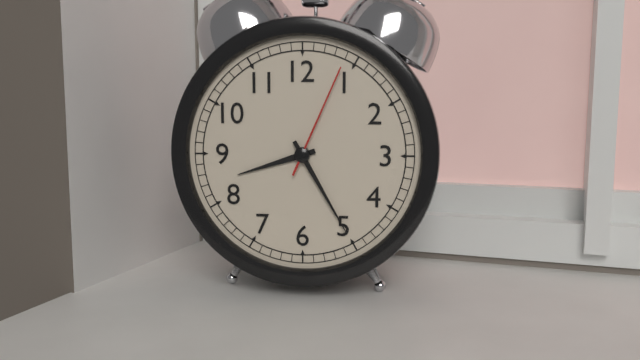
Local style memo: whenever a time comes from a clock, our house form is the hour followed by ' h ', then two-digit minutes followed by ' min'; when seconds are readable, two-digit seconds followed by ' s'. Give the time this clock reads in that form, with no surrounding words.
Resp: 8 h 25 min 04 s
